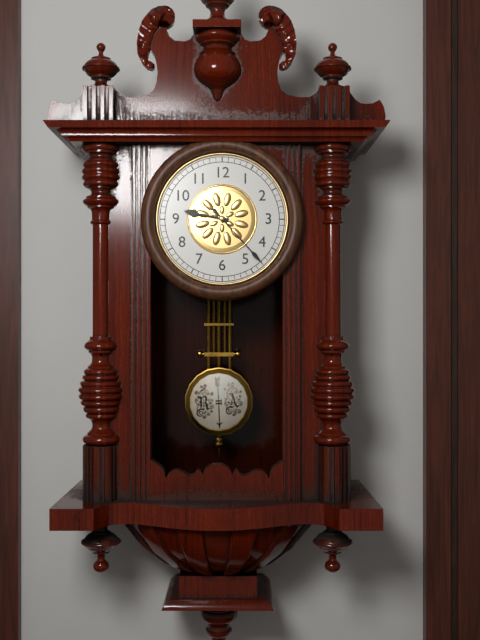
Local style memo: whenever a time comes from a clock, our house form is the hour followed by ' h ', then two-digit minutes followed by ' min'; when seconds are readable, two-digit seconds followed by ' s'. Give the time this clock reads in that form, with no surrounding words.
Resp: 9 h 23 min
